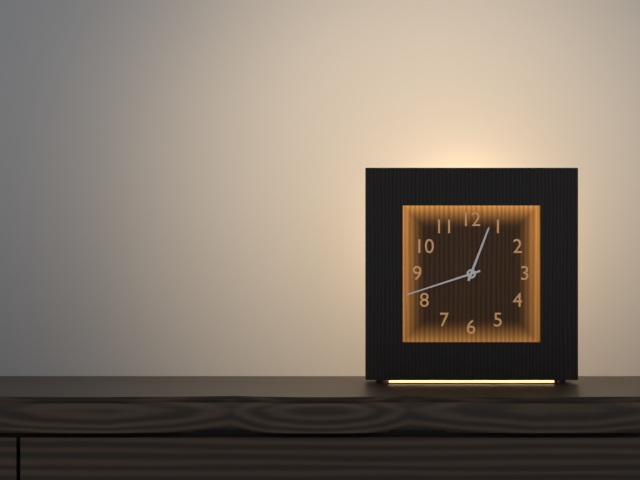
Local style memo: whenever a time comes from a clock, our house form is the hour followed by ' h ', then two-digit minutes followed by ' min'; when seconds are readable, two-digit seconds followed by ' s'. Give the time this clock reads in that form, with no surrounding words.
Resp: 12 h 42 min
